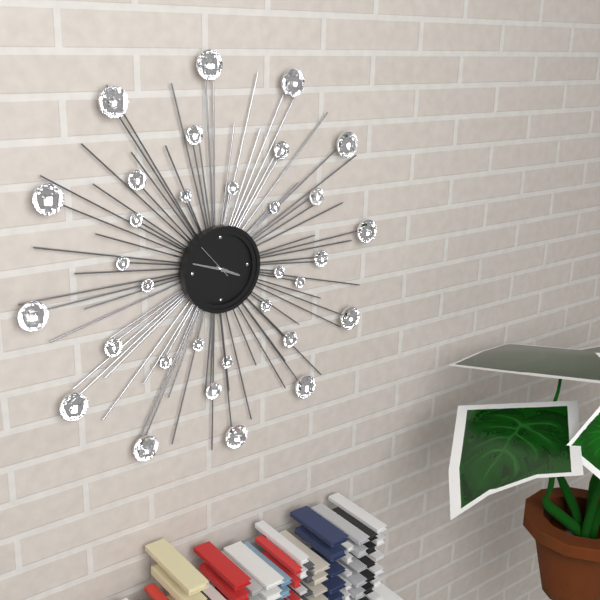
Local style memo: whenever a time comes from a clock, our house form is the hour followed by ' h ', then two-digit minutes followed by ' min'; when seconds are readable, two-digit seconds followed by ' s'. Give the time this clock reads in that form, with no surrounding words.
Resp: 3 h 48 min
